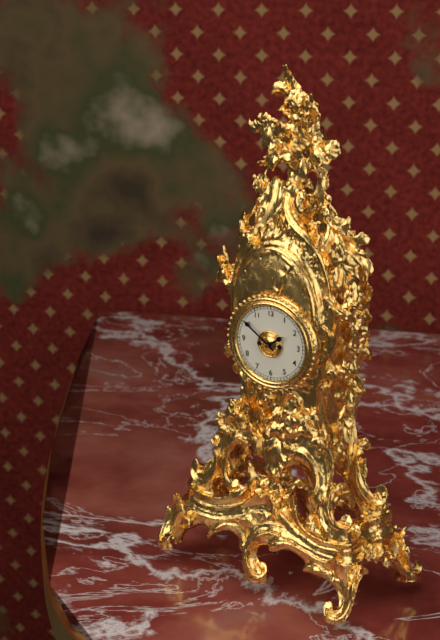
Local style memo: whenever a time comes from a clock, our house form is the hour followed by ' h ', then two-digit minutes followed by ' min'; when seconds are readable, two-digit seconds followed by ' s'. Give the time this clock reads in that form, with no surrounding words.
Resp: 1 h 51 min
